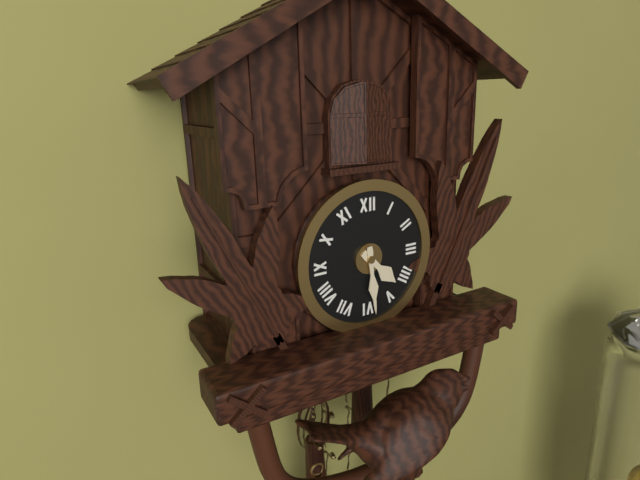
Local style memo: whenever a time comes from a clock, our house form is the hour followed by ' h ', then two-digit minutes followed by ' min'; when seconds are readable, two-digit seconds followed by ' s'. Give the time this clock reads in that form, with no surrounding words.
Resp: 4 h 29 min
